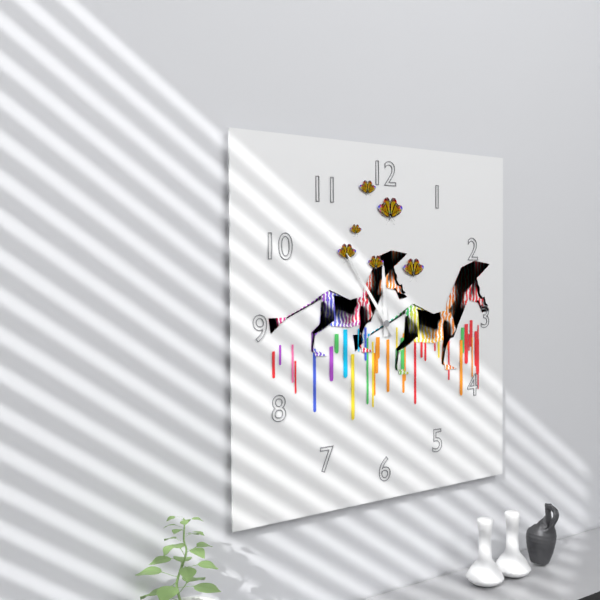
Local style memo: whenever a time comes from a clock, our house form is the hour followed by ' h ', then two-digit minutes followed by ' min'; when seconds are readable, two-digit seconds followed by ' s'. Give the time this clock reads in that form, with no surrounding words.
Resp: 11 h 54 min
